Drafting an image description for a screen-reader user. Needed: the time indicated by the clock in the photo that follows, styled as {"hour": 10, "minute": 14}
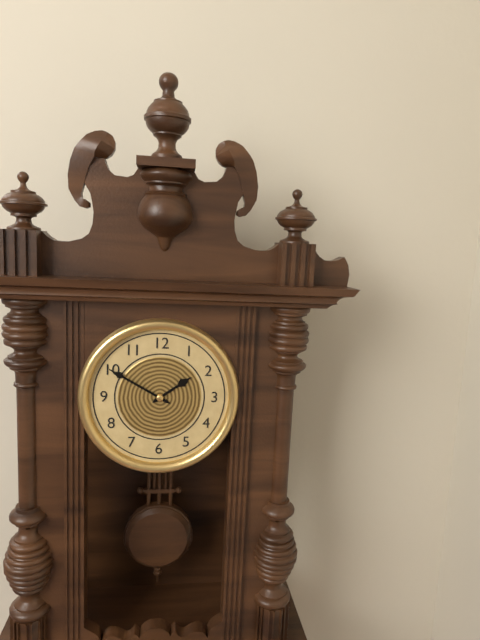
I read {"hour": 1, "minute": 50}
